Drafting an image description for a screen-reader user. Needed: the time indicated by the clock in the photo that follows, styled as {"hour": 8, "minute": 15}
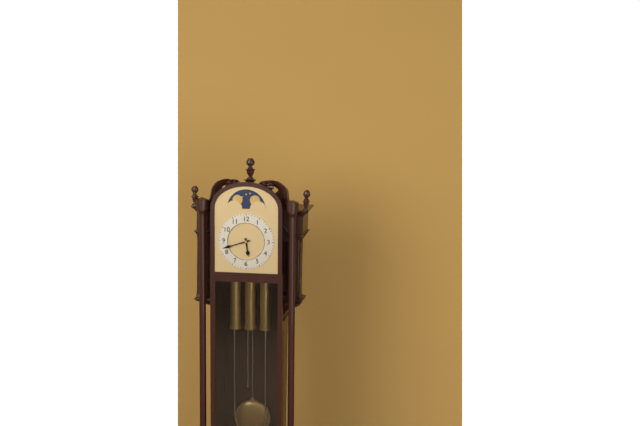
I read {"hour": 5, "minute": 42}
